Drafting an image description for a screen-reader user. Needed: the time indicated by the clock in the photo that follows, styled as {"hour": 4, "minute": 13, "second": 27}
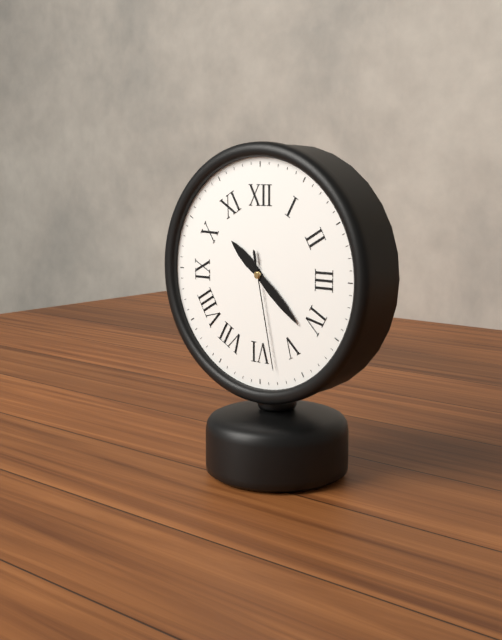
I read {"hour": 10, "minute": 22, "second": 28}
